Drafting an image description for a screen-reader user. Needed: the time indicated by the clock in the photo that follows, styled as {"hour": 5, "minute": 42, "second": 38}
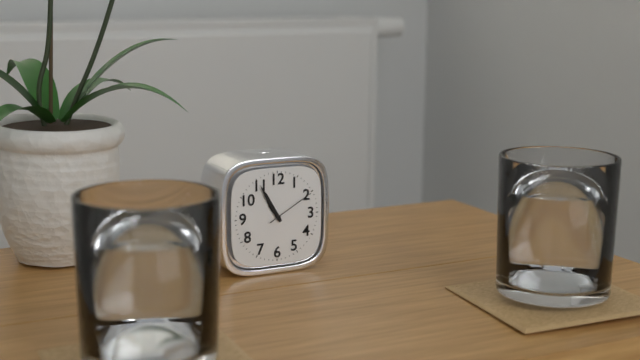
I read {"hour": 10, "minute": 55, "second": 10}
